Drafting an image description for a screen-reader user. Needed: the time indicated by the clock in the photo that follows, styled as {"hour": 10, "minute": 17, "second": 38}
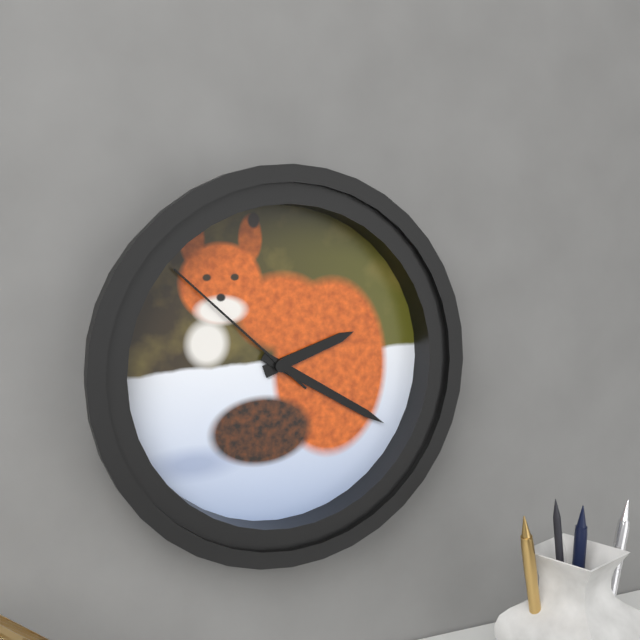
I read {"hour": 2, "minute": 20, "second": 52}
